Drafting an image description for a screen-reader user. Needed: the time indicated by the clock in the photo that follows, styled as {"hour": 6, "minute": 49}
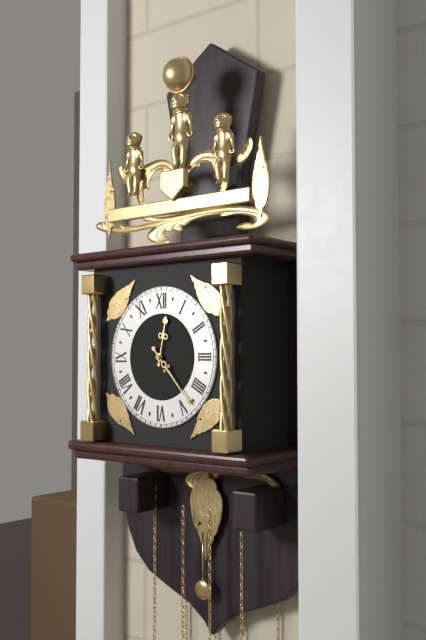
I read {"hour": 12, "minute": 23}
